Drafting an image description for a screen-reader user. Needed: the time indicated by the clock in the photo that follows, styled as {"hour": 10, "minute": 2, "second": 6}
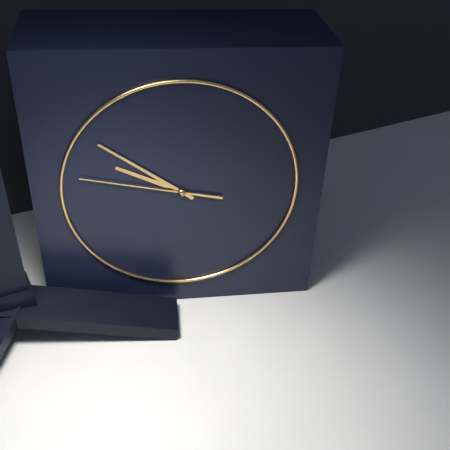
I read {"hour": 9, "minute": 51, "second": 47}
